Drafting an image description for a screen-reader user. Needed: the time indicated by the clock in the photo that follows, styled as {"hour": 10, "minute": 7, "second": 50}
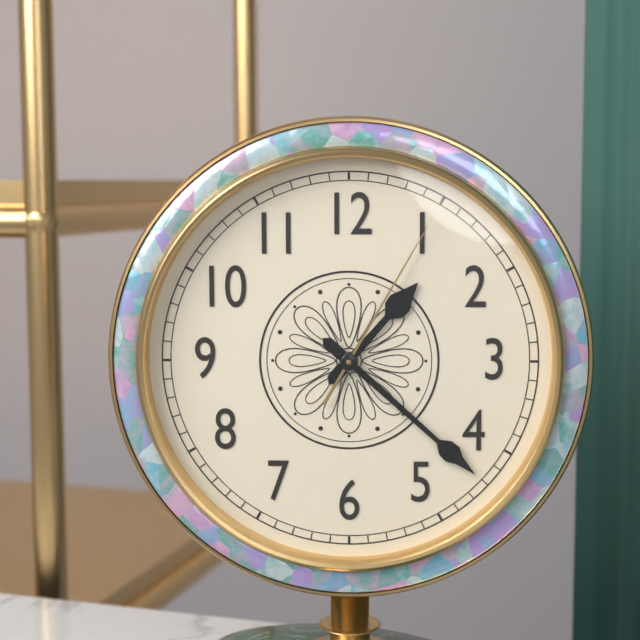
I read {"hour": 1, "minute": 22, "second": 5}
